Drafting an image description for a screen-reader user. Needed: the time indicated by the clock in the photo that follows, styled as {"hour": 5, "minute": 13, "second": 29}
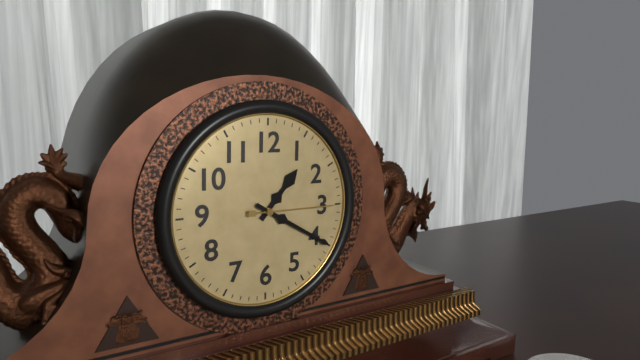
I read {"hour": 1, "minute": 20, "second": 15}
